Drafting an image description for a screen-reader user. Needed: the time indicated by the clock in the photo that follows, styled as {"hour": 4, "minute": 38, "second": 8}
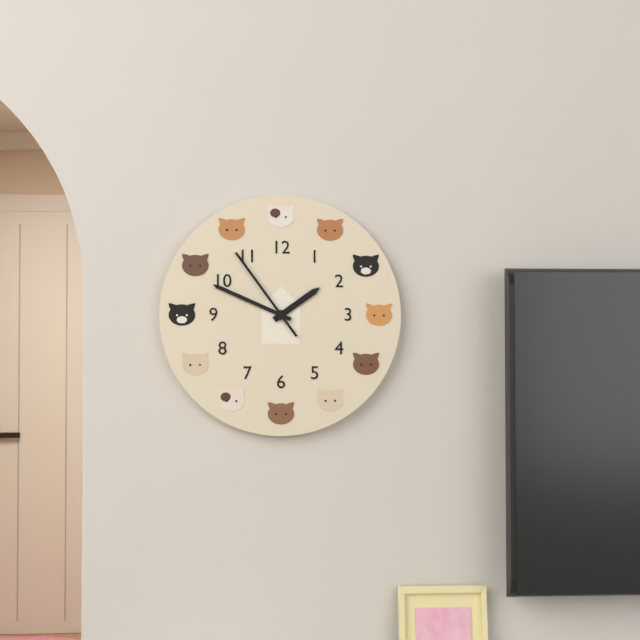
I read {"hour": 1, "minute": 49, "second": 54}
